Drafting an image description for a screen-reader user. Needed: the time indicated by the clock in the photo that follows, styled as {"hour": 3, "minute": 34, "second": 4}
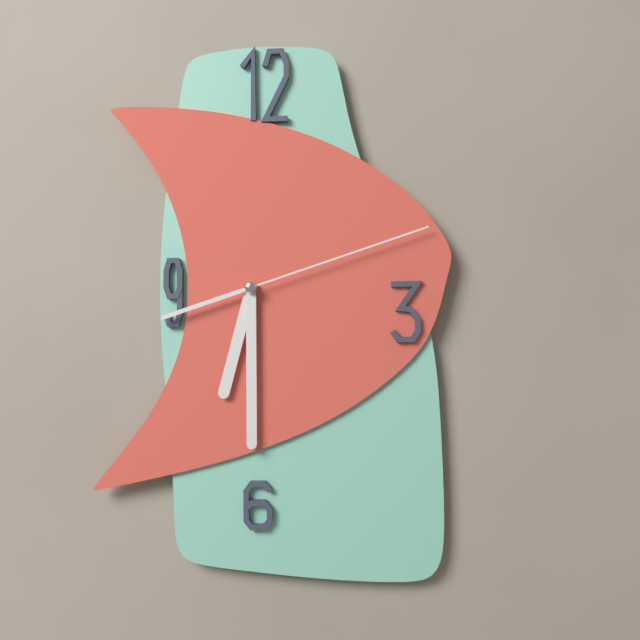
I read {"hour": 6, "minute": 30, "second": 12}
